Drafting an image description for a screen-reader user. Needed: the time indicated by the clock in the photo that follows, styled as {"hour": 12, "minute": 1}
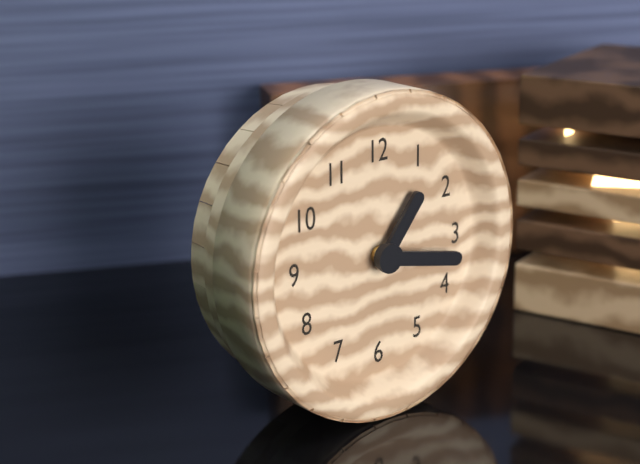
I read {"hour": 1, "minute": 17}
